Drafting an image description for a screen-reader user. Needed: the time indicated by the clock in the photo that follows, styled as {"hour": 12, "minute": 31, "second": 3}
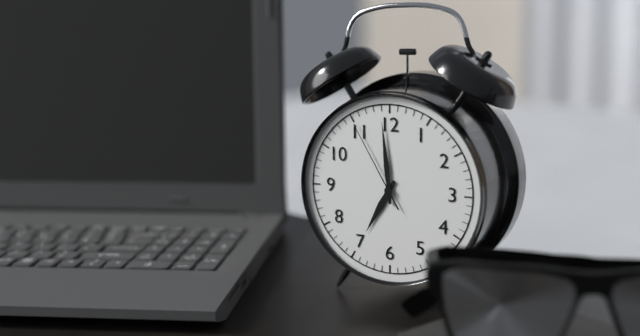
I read {"hour": 6, "minute": 59, "second": 55}
